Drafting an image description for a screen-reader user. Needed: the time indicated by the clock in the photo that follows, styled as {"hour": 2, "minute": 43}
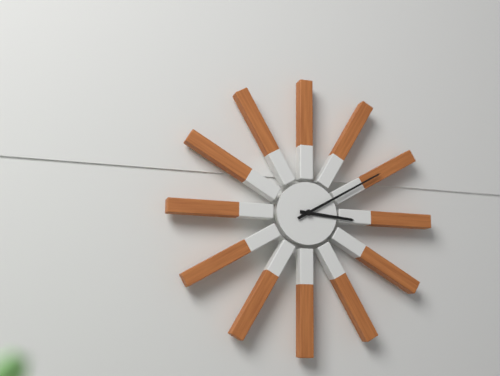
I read {"hour": 3, "minute": 10}
